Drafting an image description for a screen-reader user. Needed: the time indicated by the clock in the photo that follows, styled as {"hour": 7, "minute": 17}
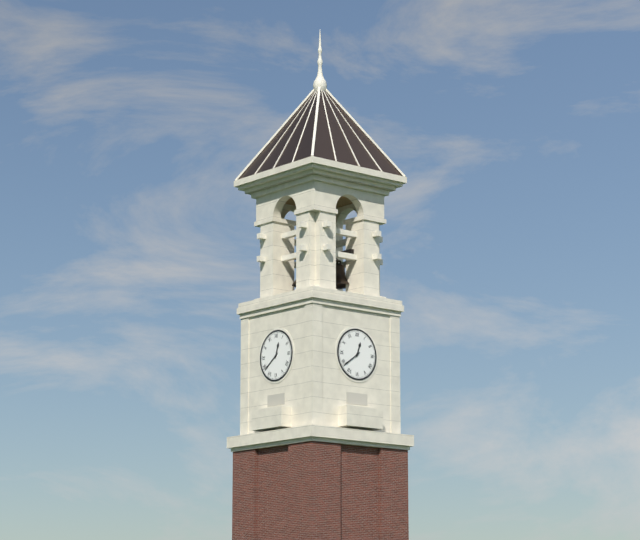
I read {"hour": 12, "minute": 39}
